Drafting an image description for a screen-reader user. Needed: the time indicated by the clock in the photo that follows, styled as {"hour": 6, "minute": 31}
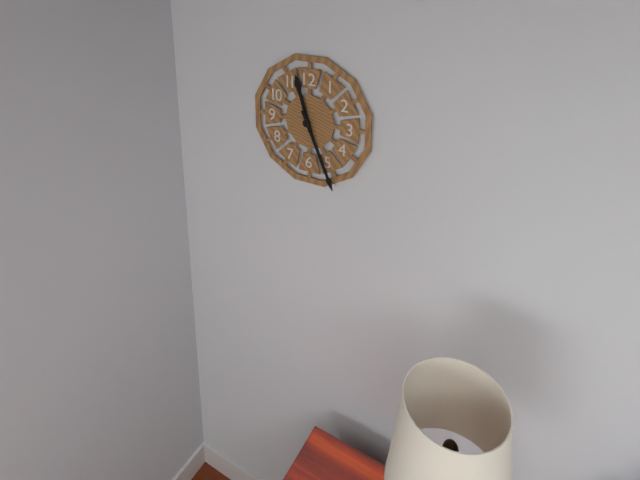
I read {"hour": 11, "minute": 26}
